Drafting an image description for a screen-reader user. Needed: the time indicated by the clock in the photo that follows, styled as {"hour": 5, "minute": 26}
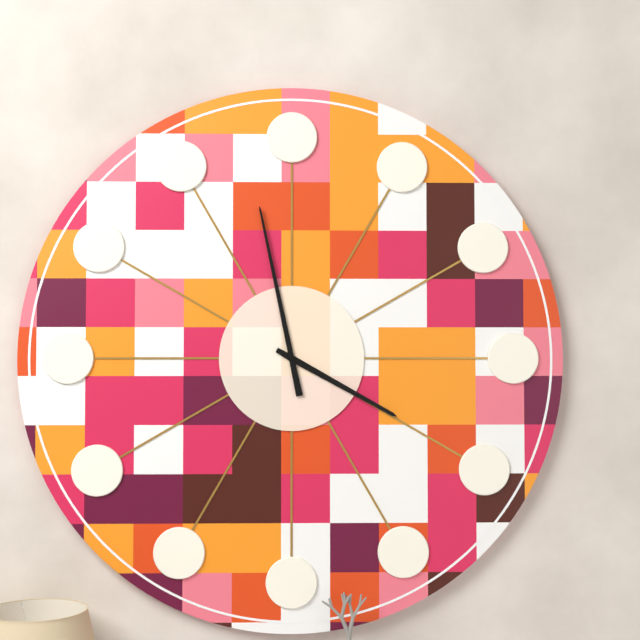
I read {"hour": 3, "minute": 58}
